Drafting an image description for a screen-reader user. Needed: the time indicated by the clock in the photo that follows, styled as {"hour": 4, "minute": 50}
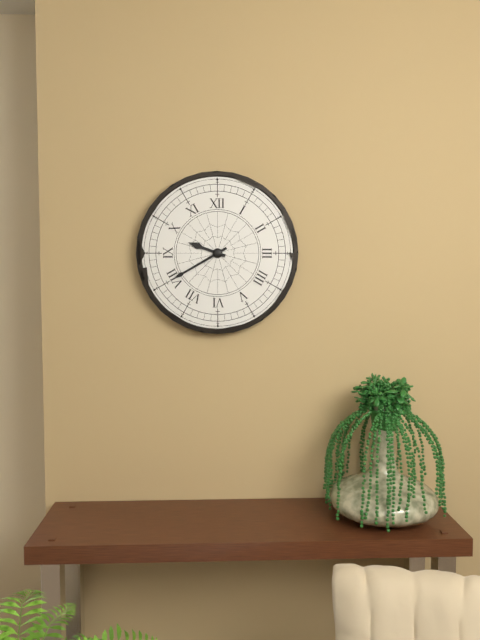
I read {"hour": 9, "minute": 40}
